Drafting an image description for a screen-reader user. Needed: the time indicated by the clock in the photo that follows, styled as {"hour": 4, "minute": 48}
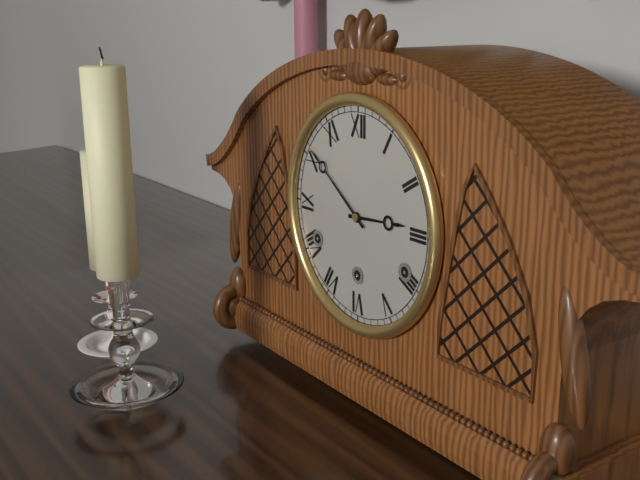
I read {"hour": 2, "minute": 51}
